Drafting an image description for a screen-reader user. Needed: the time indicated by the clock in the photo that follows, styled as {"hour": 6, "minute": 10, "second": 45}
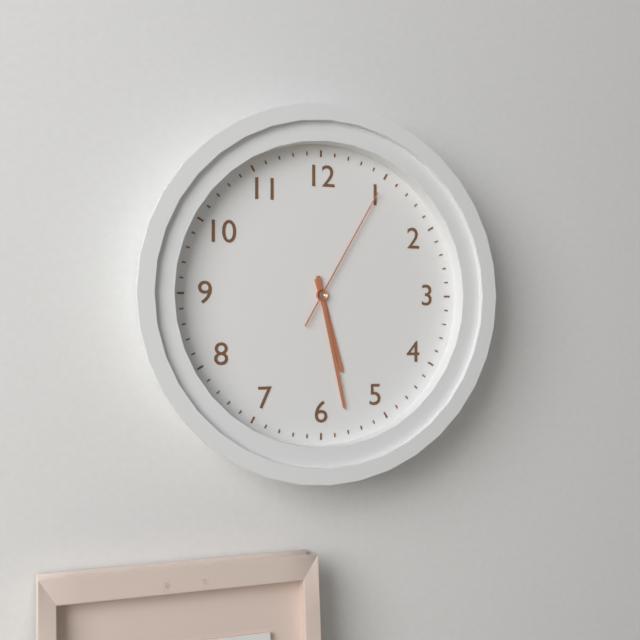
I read {"hour": 5, "minute": 28, "second": 5}
